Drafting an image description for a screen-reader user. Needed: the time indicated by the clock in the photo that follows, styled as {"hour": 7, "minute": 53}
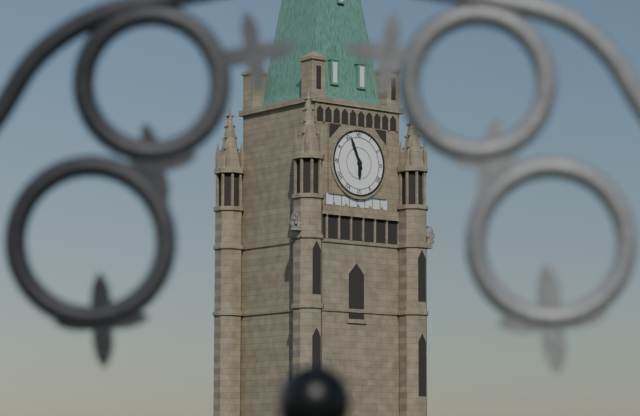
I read {"hour": 5, "minute": 56}
